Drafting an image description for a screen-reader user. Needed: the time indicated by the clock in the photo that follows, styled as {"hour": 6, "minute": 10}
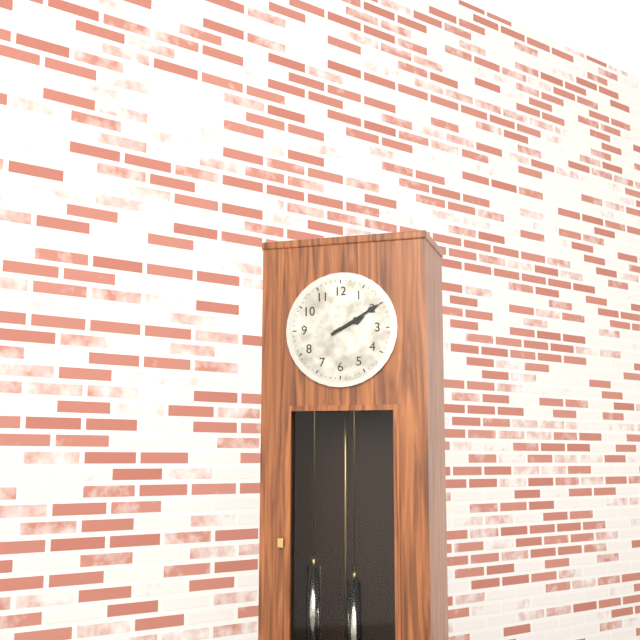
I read {"hour": 2, "minute": 10}
